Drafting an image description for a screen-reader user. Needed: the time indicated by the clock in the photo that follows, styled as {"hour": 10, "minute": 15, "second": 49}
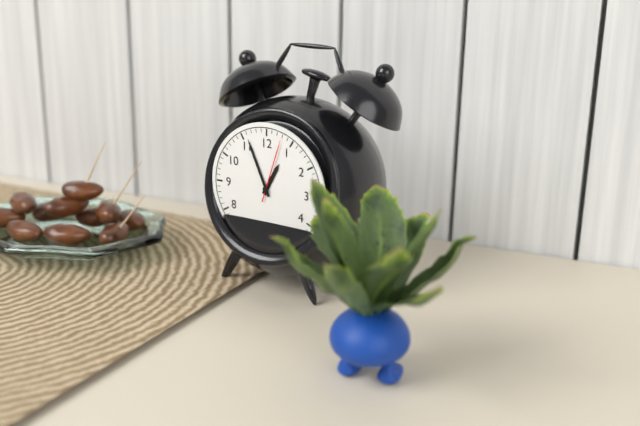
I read {"hour": 12, "minute": 56, "second": 3}
